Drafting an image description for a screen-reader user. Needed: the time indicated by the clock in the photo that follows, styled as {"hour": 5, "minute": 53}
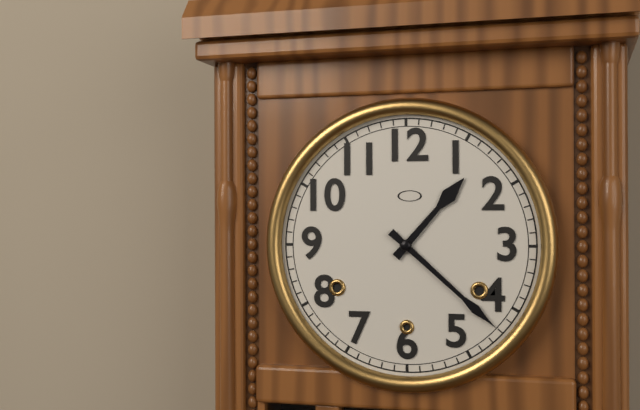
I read {"hour": 1, "minute": 22}
